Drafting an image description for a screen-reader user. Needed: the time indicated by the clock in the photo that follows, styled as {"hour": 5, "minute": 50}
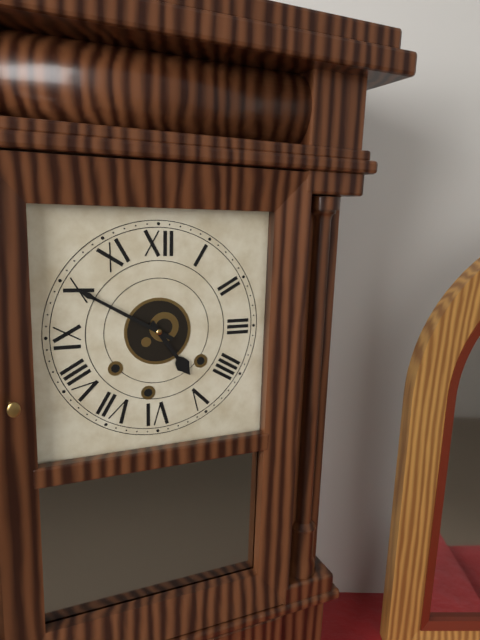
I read {"hour": 4, "minute": 50}
